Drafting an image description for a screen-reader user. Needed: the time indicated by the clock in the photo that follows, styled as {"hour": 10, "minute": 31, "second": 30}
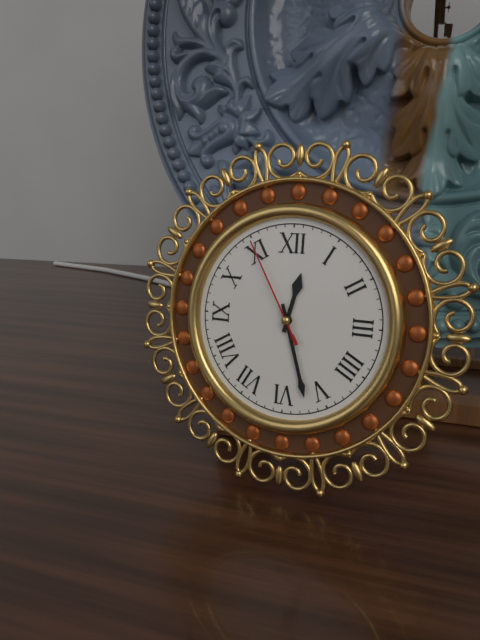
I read {"hour": 12, "minute": 27, "second": 55}
